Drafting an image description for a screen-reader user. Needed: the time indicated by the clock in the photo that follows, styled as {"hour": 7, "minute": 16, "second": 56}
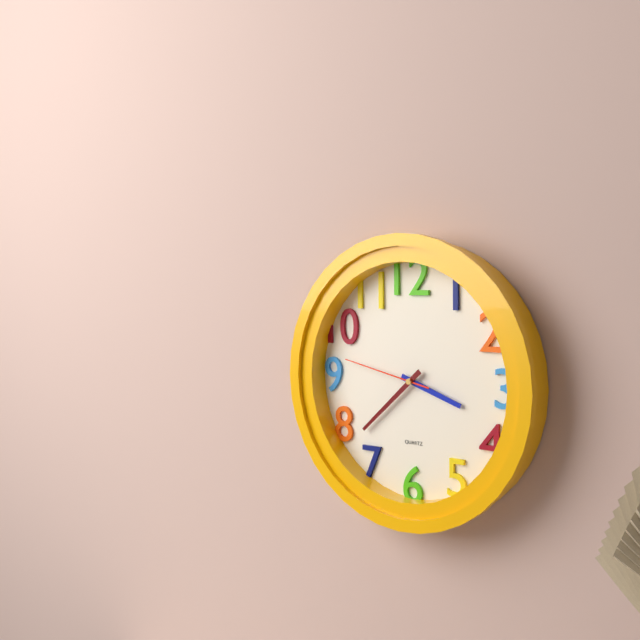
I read {"hour": 3, "minute": 38, "second": 47}
